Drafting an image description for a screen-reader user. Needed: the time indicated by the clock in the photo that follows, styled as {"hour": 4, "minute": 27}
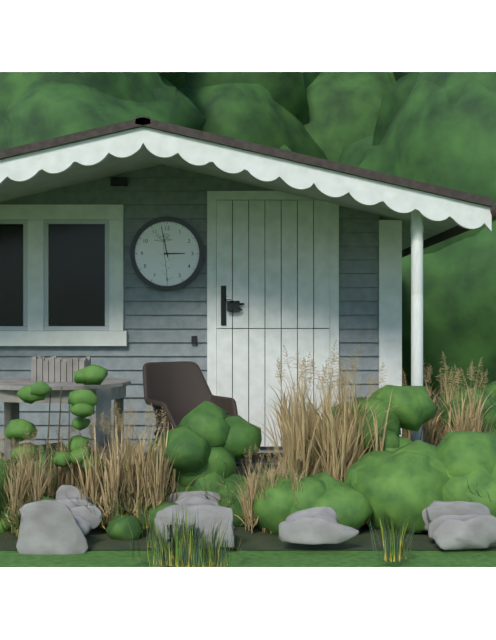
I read {"hour": 2, "minute": 58}
